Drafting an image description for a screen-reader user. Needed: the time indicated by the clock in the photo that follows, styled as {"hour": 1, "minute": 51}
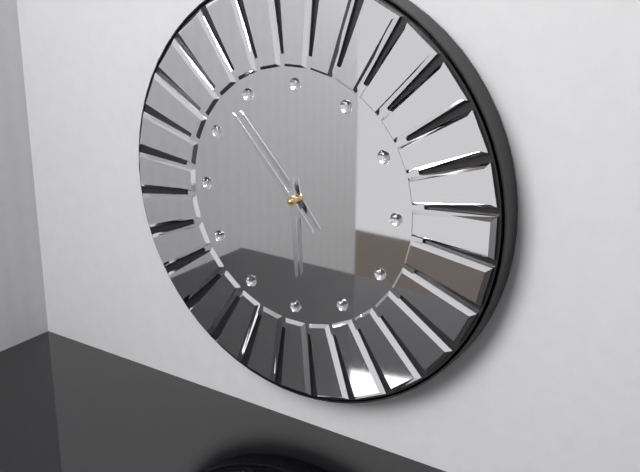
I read {"hour": 5, "minute": 53}
